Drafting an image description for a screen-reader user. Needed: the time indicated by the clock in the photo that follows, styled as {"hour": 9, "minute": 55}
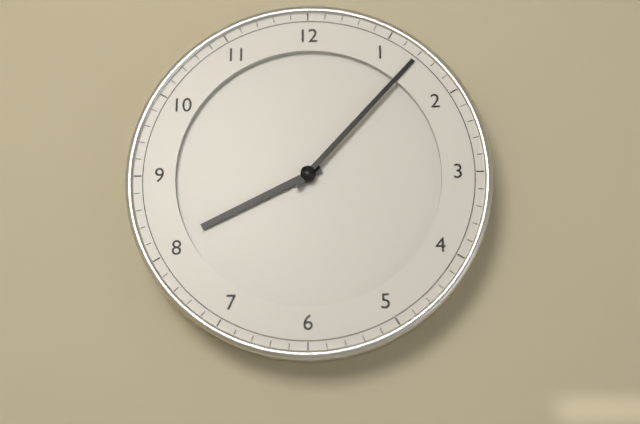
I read {"hour": 8, "minute": 7}
